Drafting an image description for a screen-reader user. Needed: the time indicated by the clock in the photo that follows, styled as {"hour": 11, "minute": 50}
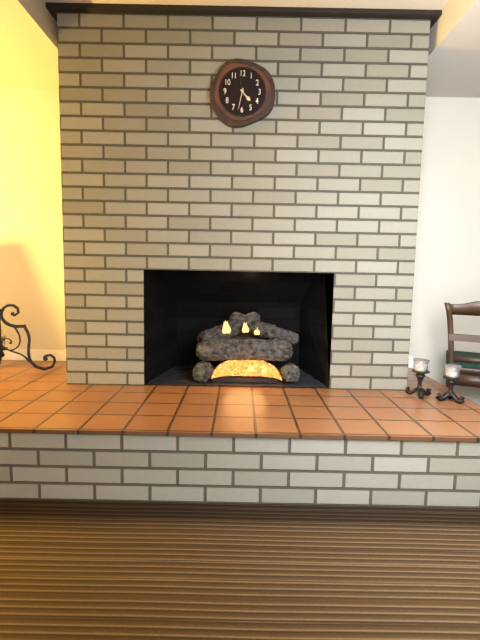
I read {"hour": 4, "minute": 32}
